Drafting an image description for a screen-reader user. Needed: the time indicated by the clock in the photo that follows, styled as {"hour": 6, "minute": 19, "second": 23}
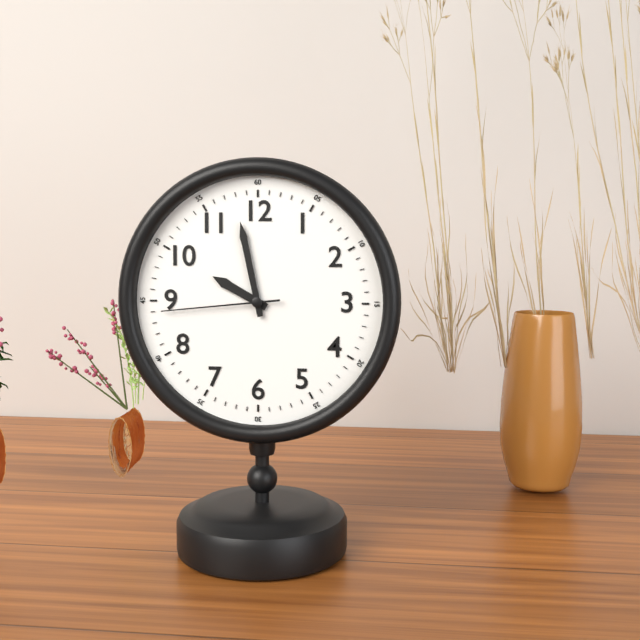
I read {"hour": 9, "minute": 58, "second": 44}
